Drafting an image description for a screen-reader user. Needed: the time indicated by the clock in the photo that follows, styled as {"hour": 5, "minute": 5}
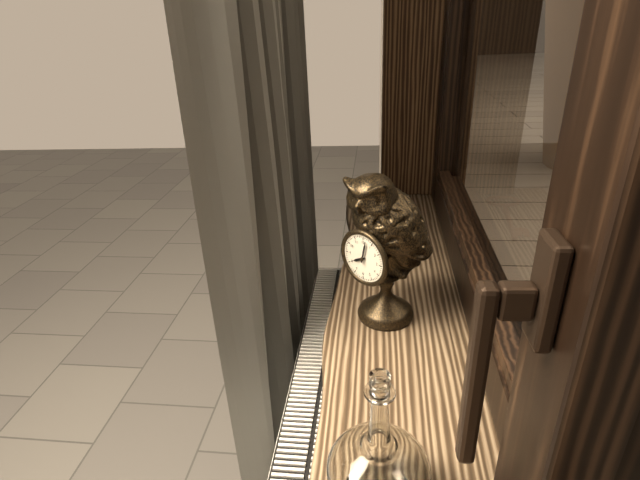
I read {"hour": 8, "minute": 2}
